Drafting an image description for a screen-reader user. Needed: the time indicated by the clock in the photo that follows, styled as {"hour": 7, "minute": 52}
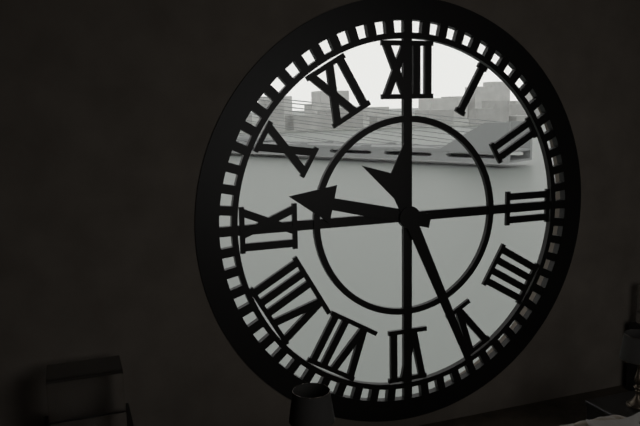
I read {"hour": 9, "minute": 26}
